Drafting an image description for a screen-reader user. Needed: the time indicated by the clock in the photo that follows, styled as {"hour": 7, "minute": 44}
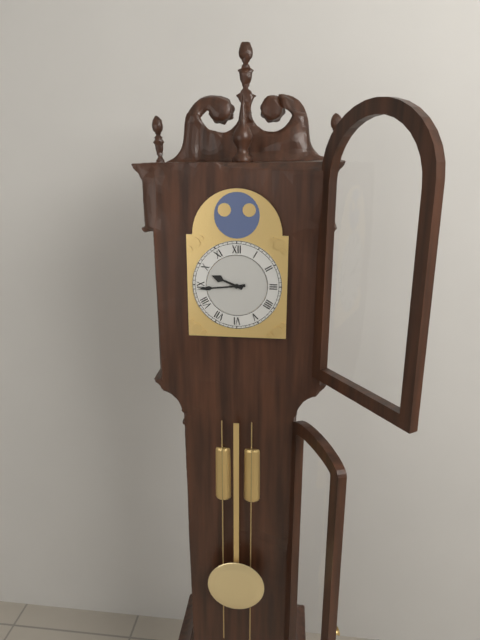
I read {"hour": 9, "minute": 44}
